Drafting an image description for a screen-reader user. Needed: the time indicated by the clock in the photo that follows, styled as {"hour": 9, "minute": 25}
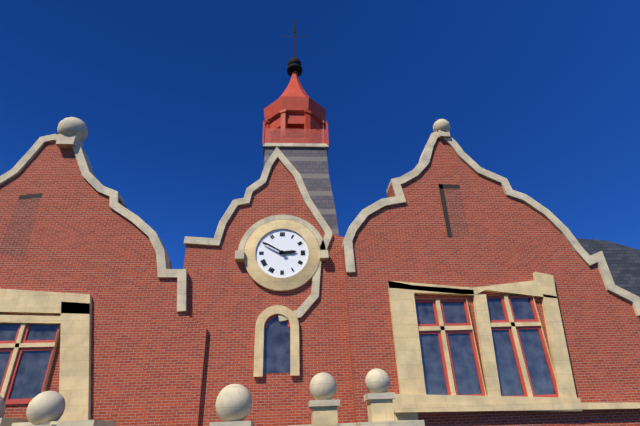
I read {"hour": 2, "minute": 50}
